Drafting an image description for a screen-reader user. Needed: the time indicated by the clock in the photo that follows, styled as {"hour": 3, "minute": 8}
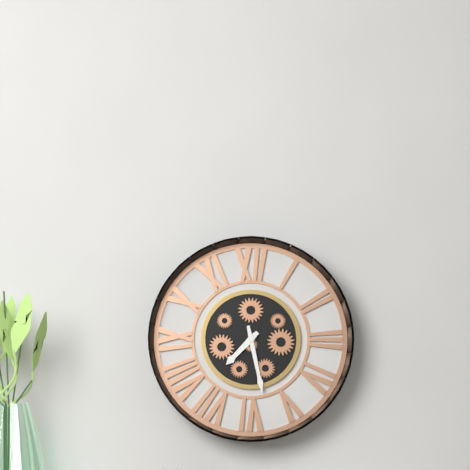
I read {"hour": 7, "minute": 28}
